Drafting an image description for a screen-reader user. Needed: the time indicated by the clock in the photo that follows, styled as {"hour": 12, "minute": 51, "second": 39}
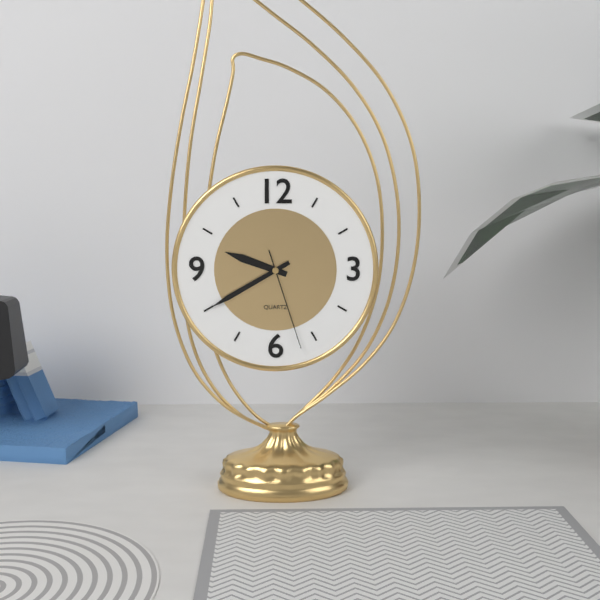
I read {"hour": 9, "minute": 40, "second": 27}
